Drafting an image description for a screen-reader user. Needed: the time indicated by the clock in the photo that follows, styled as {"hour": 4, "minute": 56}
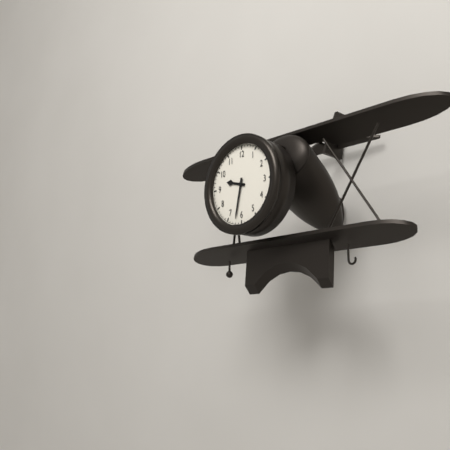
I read {"hour": 9, "minute": 32}
